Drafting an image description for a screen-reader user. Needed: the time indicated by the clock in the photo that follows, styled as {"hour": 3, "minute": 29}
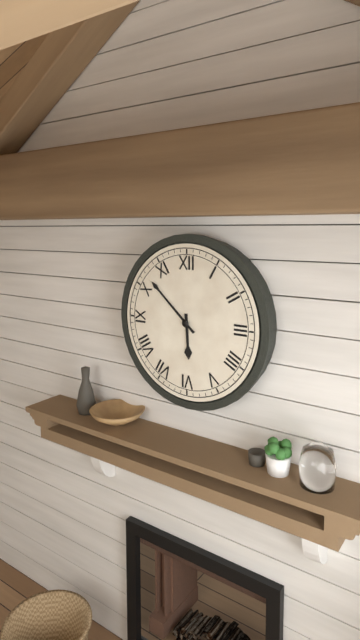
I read {"hour": 5, "minute": 52}
